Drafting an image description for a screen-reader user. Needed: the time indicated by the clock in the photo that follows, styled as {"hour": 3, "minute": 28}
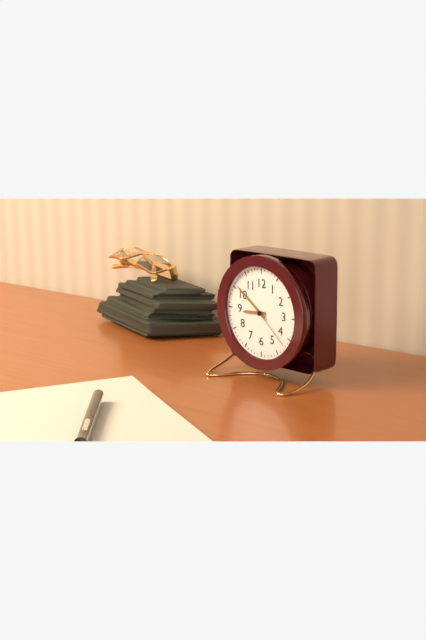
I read {"hour": 8, "minute": 51}
